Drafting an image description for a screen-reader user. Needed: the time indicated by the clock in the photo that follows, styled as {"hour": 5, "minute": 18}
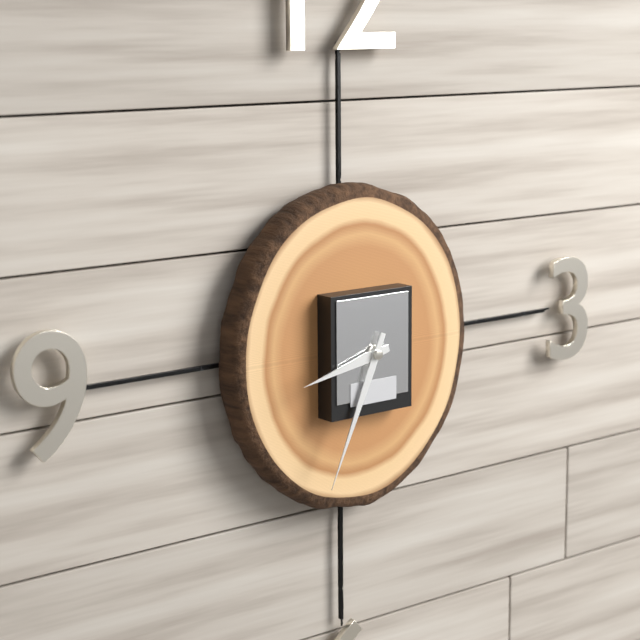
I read {"hour": 8, "minute": 34}
